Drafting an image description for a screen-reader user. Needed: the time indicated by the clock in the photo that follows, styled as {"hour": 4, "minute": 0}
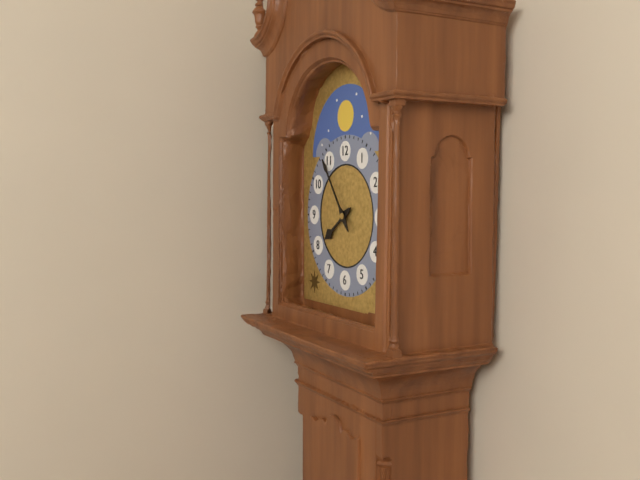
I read {"hour": 7, "minute": 54}
